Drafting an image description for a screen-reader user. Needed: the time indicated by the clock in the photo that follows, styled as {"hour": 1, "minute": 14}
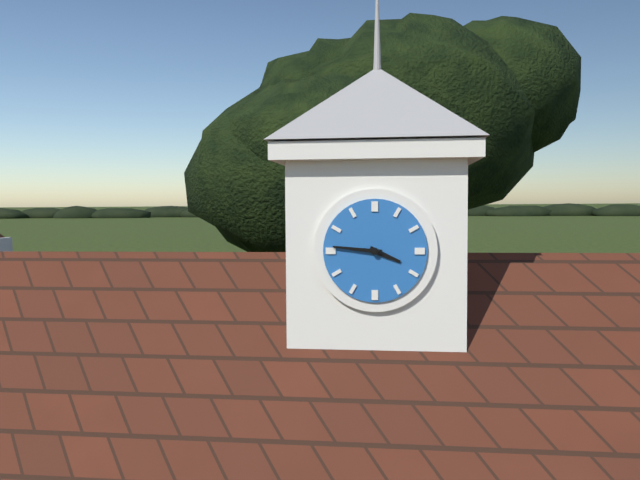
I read {"hour": 3, "minute": 46}
